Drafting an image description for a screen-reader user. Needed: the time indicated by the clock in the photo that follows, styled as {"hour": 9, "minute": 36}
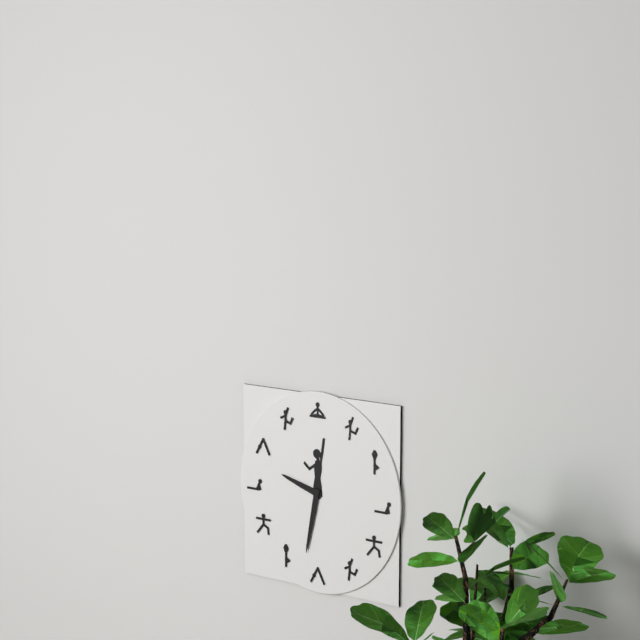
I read {"hour": 9, "minute": 32}
